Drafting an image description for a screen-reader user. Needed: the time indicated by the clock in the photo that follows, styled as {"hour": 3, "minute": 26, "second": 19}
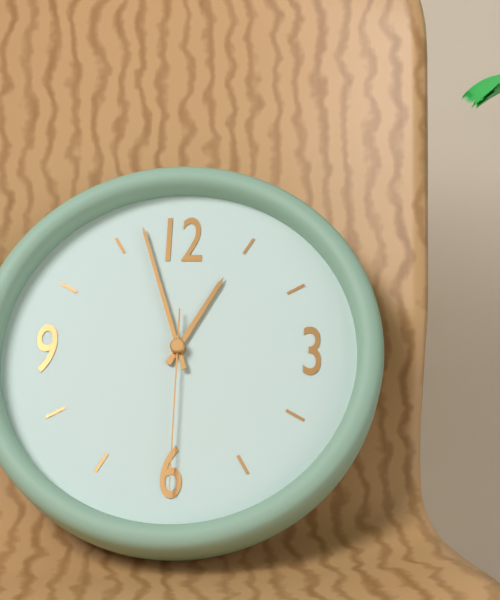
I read {"hour": 12, "minute": 57, "second": 30}
